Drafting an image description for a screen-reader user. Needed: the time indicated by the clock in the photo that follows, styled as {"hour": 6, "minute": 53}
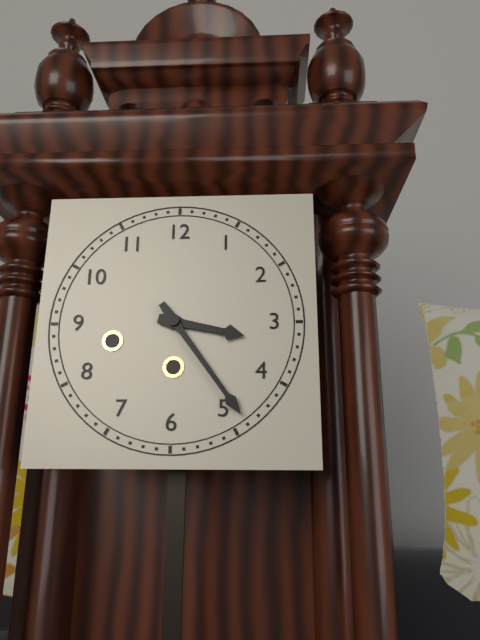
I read {"hour": 3, "minute": 24}
